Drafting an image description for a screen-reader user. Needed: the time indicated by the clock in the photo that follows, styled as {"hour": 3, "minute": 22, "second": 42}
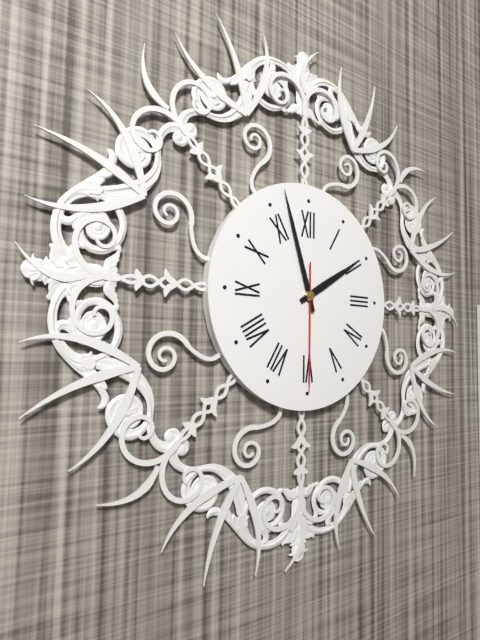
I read {"hour": 1, "minute": 57, "second": 30}
